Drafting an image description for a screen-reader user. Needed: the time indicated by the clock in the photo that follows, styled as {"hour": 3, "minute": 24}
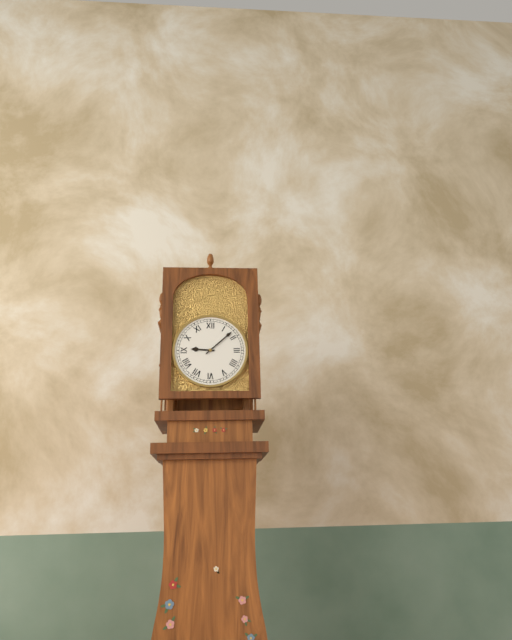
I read {"hour": 9, "minute": 8}
